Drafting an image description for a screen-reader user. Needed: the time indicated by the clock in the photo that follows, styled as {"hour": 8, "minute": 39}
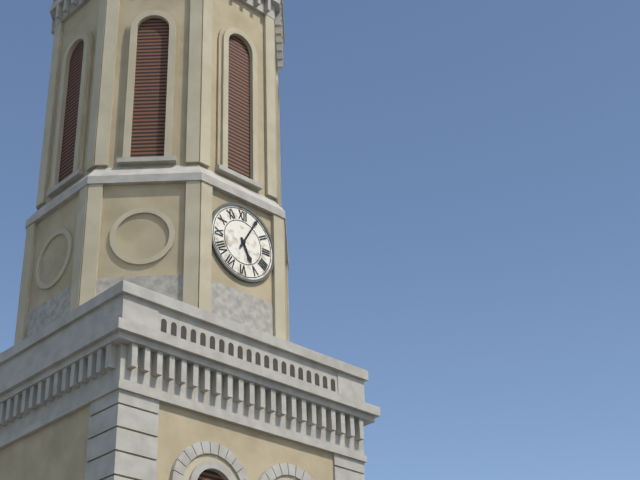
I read {"hour": 5, "minute": 5}
